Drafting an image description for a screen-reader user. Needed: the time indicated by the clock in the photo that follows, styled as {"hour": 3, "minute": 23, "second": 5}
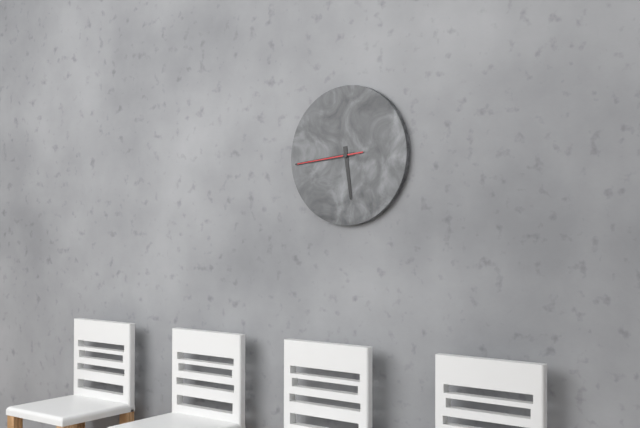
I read {"hour": 5, "minute": 44, "second": 44}
